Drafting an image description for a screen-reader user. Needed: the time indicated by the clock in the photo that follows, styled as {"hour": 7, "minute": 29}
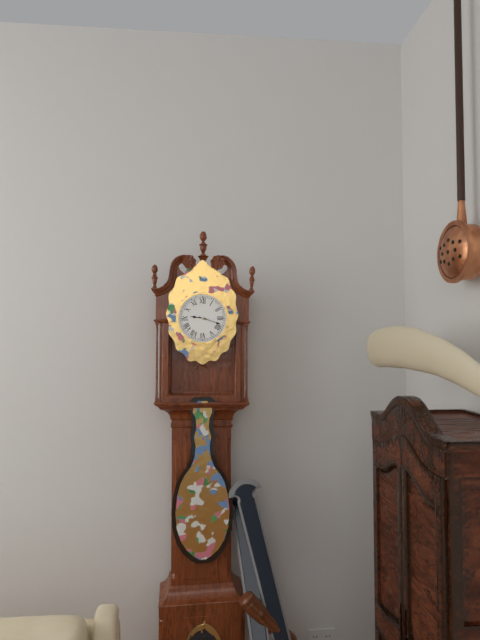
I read {"hour": 9, "minute": 18}
